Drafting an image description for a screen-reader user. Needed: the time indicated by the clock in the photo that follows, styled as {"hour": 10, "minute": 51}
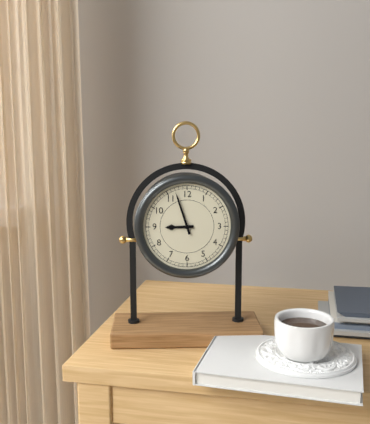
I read {"hour": 8, "minute": 57}
